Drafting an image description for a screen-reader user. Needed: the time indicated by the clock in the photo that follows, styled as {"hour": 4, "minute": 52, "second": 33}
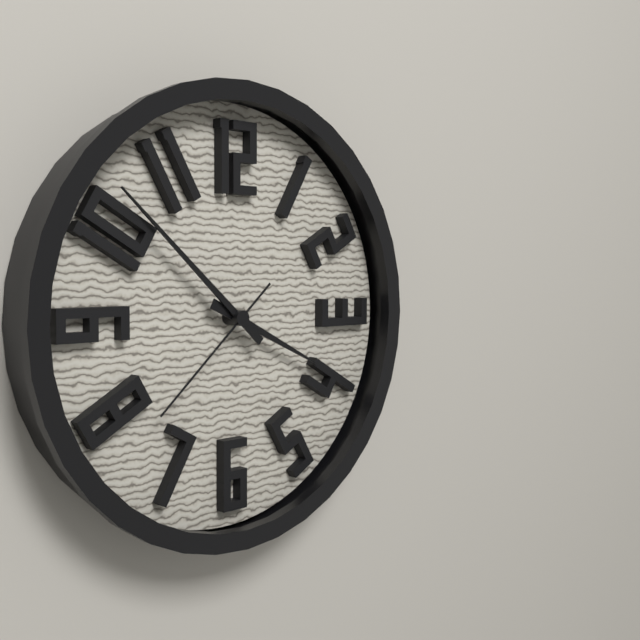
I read {"hour": 3, "minute": 52, "second": 38}
